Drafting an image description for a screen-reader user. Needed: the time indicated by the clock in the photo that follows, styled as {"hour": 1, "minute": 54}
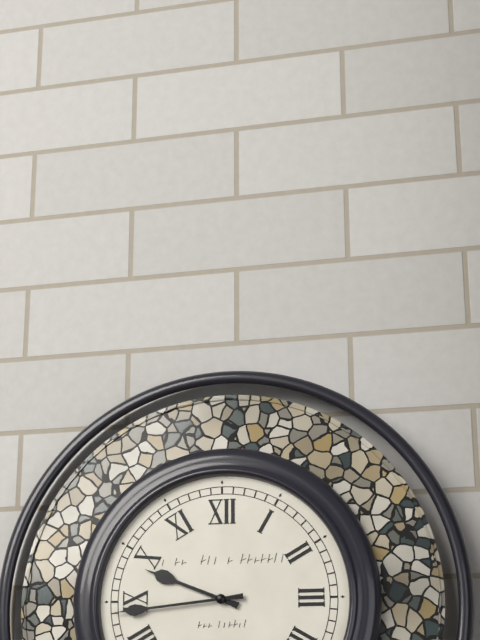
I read {"hour": 9, "minute": 44}
